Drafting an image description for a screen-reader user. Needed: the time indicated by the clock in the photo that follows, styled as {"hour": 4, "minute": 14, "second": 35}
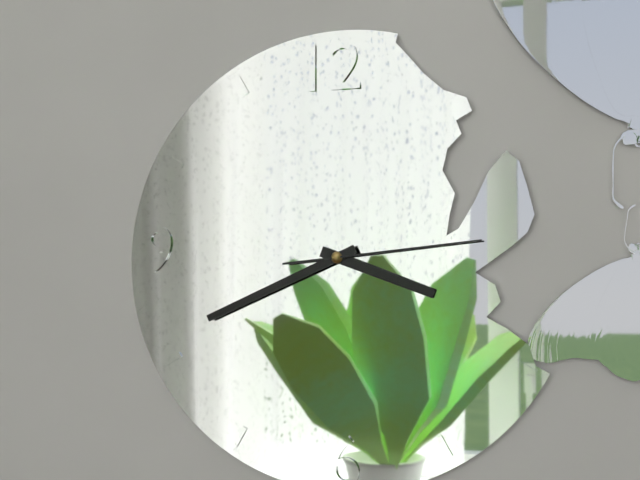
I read {"hour": 3, "minute": 41, "second": 14}
